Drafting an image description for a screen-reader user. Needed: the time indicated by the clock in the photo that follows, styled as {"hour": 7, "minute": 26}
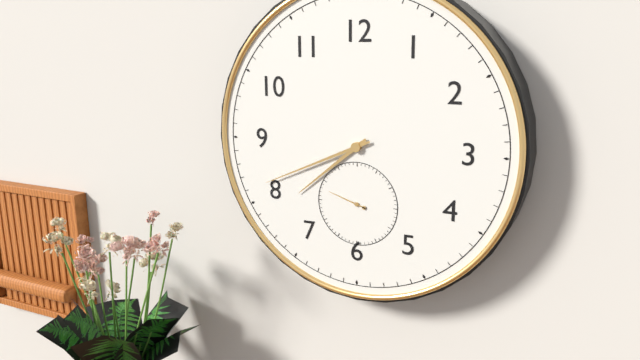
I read {"hour": 7, "minute": 41}
